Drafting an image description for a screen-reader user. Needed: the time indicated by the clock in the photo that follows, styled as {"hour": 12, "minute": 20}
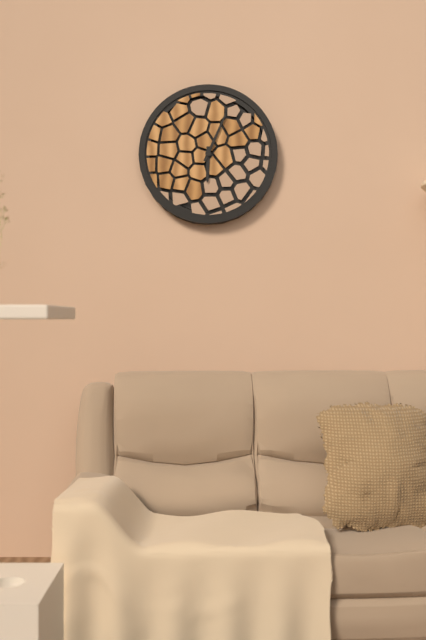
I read {"hour": 6, "minute": 4}
